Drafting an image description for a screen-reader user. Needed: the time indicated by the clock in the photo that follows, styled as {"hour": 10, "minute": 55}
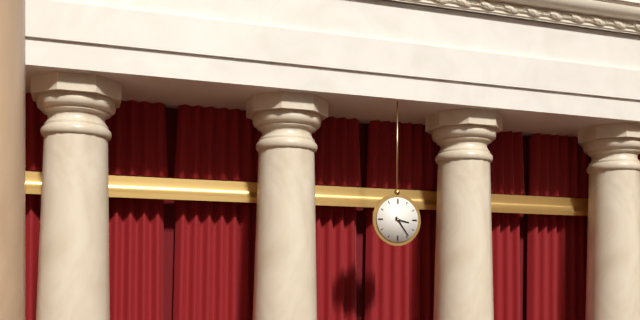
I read {"hour": 3, "minute": 24}
